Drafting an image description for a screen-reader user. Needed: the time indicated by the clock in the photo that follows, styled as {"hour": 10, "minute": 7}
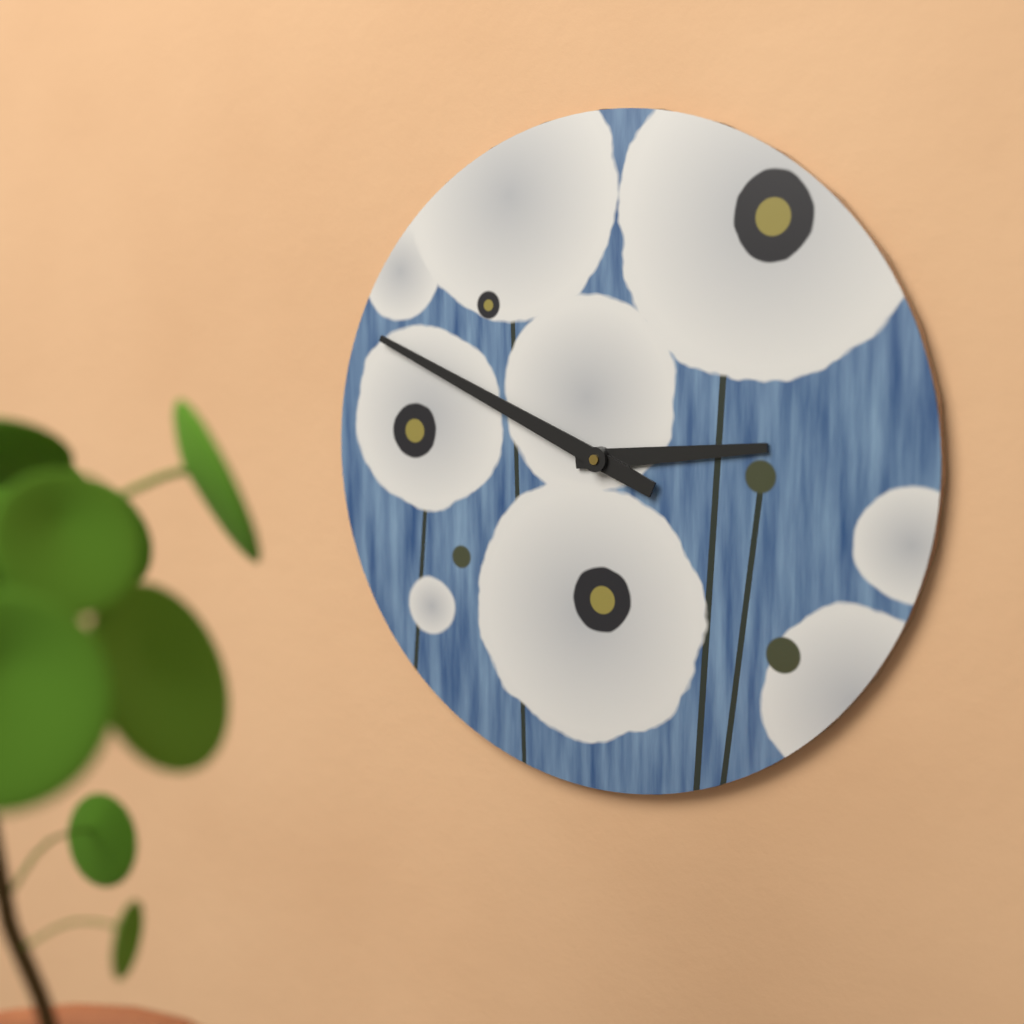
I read {"hour": 2, "minute": 49}
